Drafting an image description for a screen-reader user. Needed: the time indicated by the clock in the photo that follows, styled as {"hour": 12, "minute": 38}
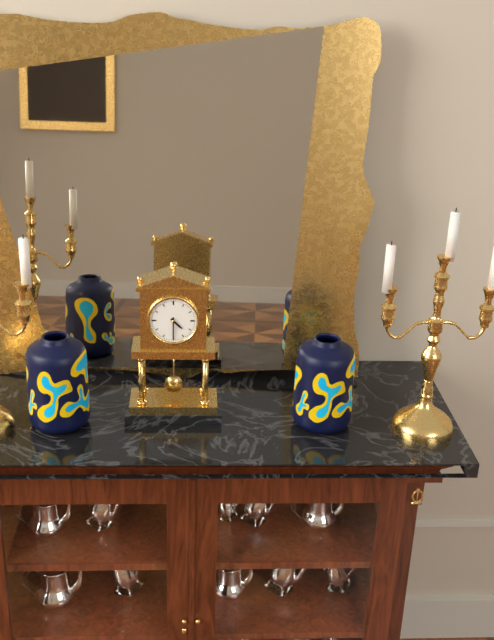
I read {"hour": 4, "minute": 30}
